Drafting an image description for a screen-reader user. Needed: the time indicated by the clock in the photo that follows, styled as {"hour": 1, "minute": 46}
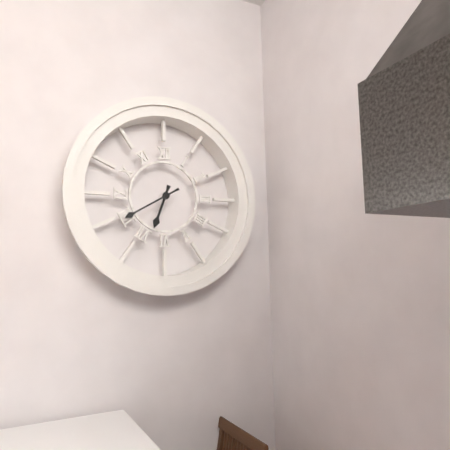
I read {"hour": 6, "minute": 40}
